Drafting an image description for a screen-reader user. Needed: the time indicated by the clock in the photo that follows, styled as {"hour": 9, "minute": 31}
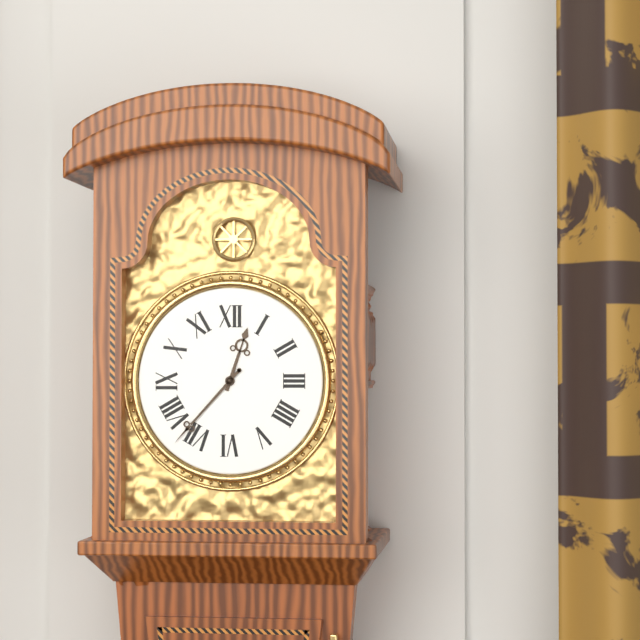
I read {"hour": 12, "minute": 37}
